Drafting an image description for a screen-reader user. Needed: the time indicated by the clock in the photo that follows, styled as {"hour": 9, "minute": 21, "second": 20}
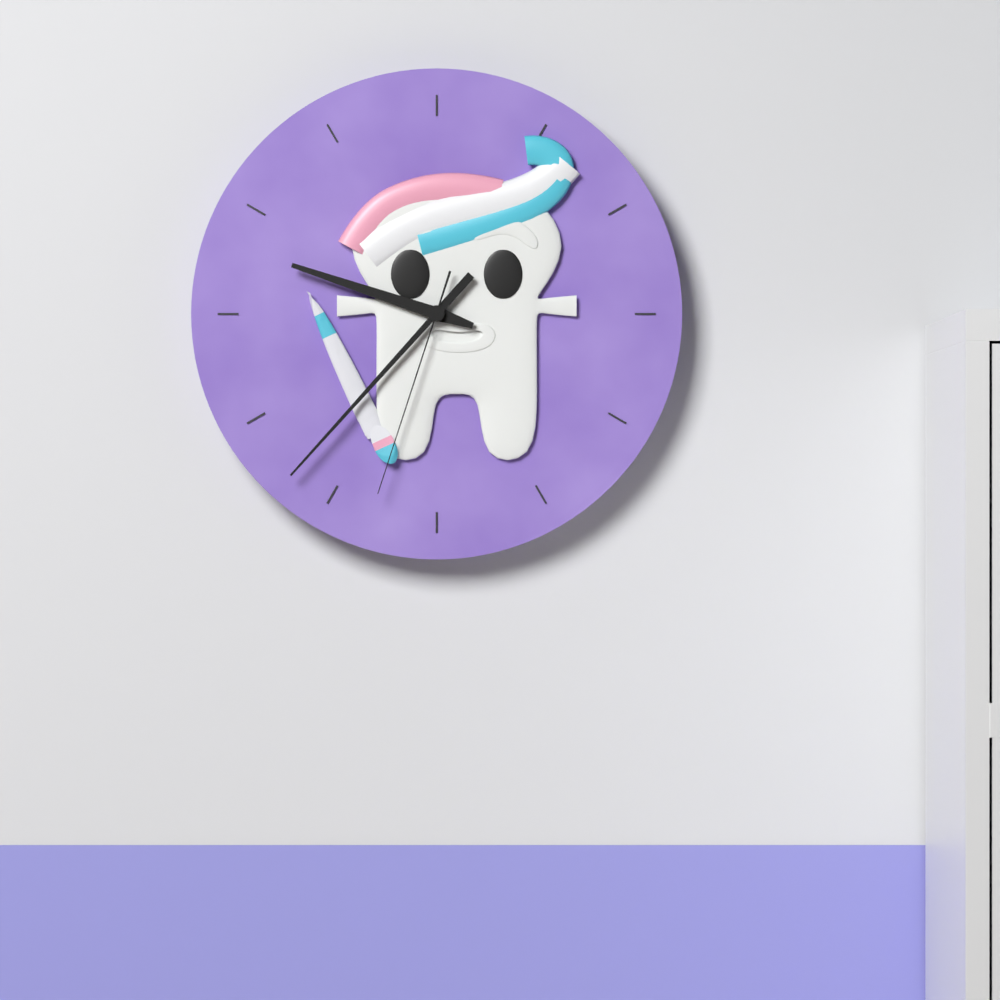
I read {"hour": 9, "minute": 37, "second": 33}
